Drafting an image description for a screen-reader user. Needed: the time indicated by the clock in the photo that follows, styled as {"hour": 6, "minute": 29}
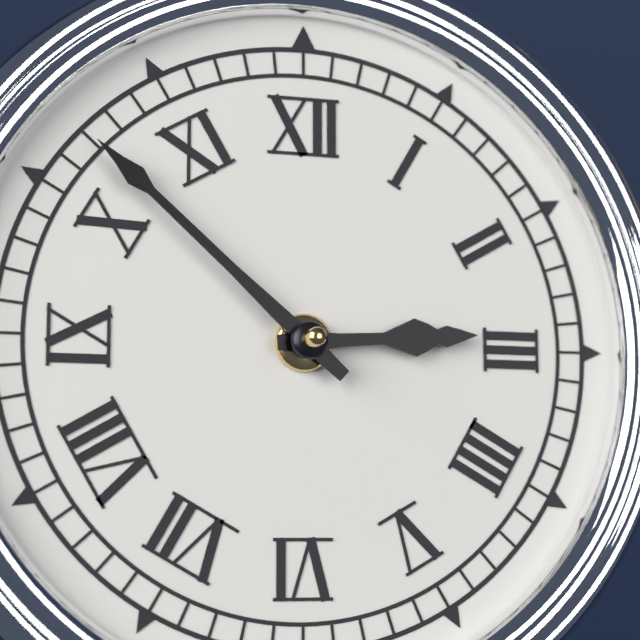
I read {"hour": 2, "minute": 52}
